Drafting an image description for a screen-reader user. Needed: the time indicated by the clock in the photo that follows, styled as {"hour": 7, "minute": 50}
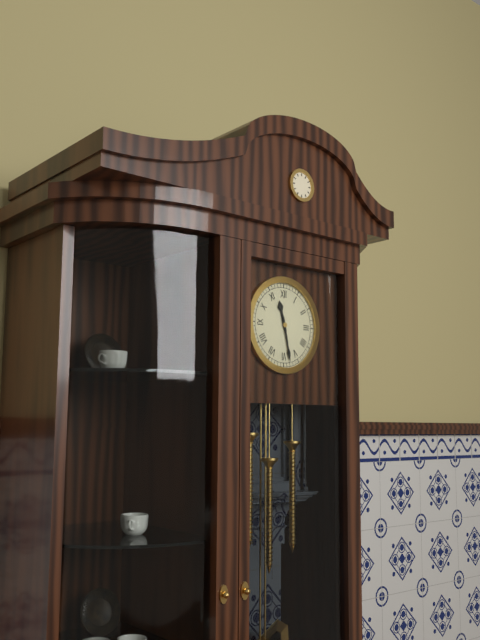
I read {"hour": 11, "minute": 28}
